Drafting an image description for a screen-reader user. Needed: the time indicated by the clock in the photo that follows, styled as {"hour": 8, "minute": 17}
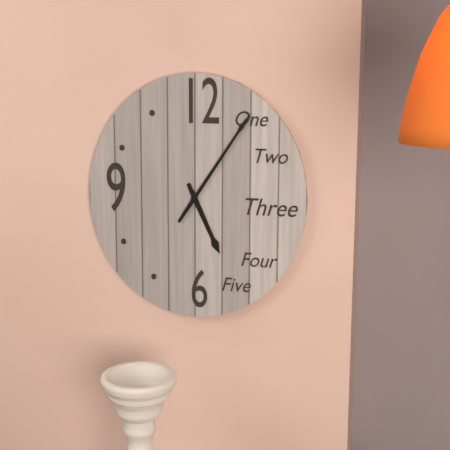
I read {"hour": 5, "minute": 6}
